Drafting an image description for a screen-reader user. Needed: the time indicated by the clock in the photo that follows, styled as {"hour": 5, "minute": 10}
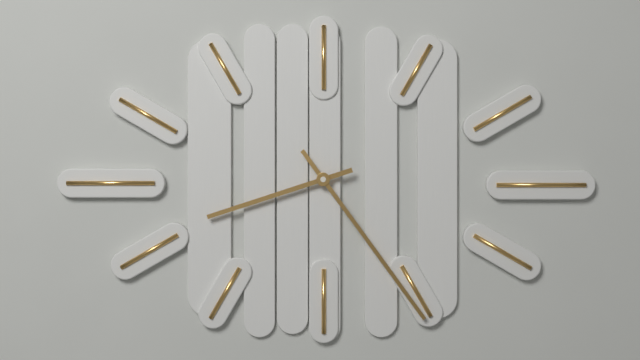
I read {"hour": 8, "minute": 24}
